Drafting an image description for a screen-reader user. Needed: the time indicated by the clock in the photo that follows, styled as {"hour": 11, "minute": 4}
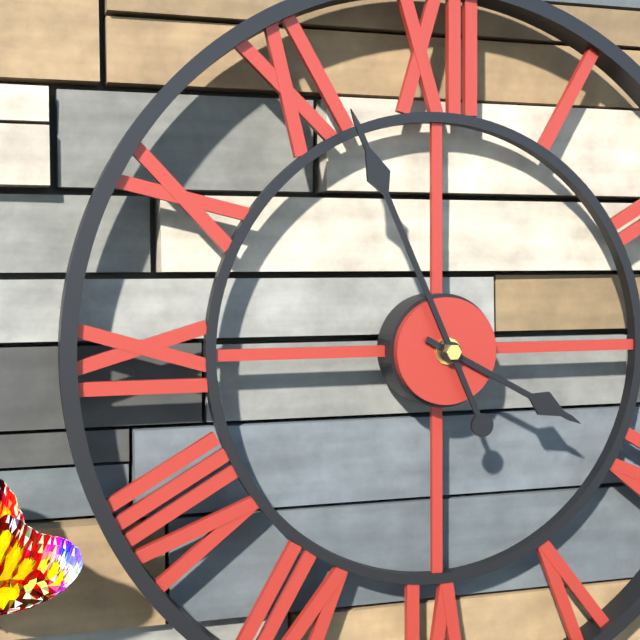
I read {"hour": 3, "minute": 56}
